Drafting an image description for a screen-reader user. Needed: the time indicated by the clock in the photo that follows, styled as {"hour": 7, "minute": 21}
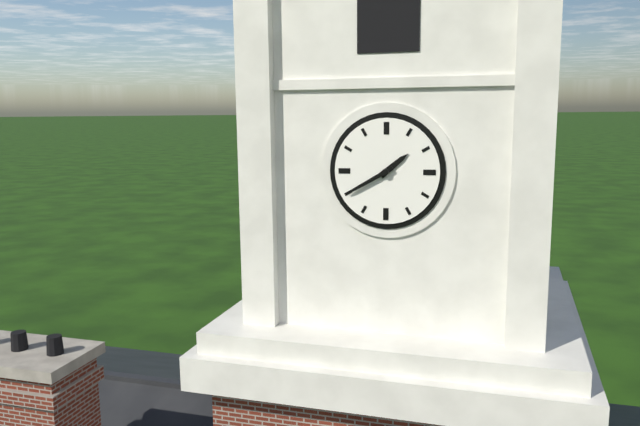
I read {"hour": 1, "minute": 40}
